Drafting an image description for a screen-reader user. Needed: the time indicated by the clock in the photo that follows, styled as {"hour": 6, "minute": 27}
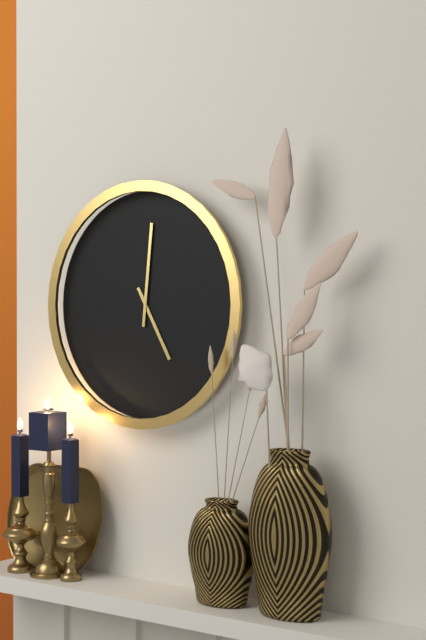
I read {"hour": 5, "minute": 1}
